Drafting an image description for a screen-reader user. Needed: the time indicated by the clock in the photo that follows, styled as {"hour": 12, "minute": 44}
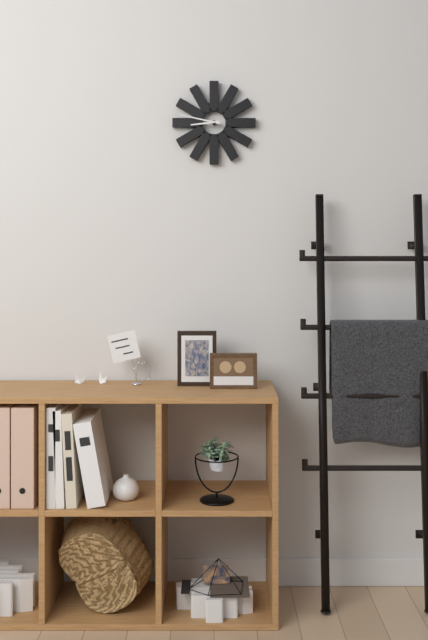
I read {"hour": 8, "minute": 47}
